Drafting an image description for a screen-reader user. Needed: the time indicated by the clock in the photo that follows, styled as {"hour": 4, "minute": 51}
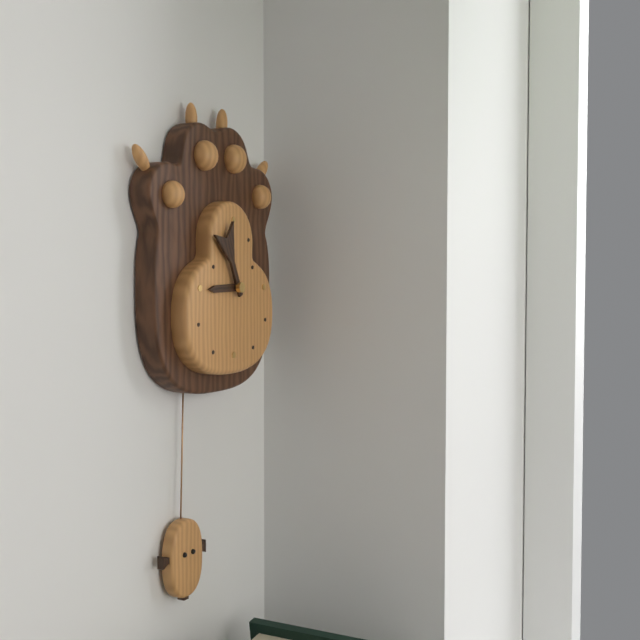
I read {"hour": 8, "minute": 56}
